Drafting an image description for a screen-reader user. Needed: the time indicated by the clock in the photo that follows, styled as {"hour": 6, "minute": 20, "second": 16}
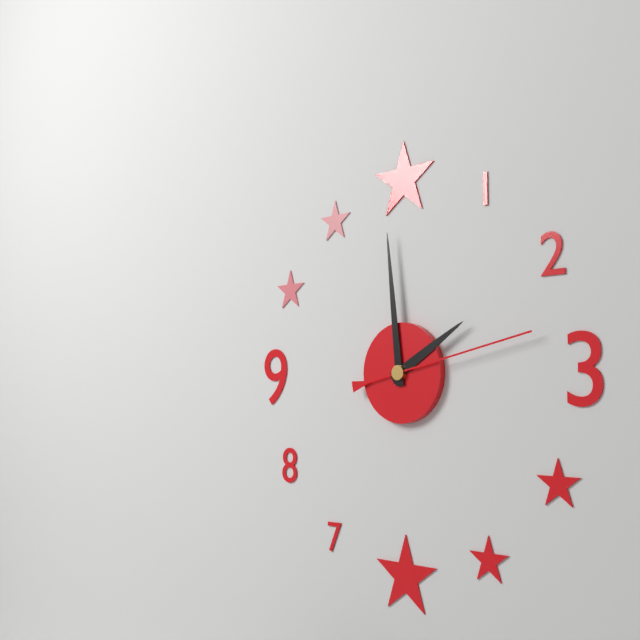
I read {"hour": 1, "minute": 59, "second": 13}
